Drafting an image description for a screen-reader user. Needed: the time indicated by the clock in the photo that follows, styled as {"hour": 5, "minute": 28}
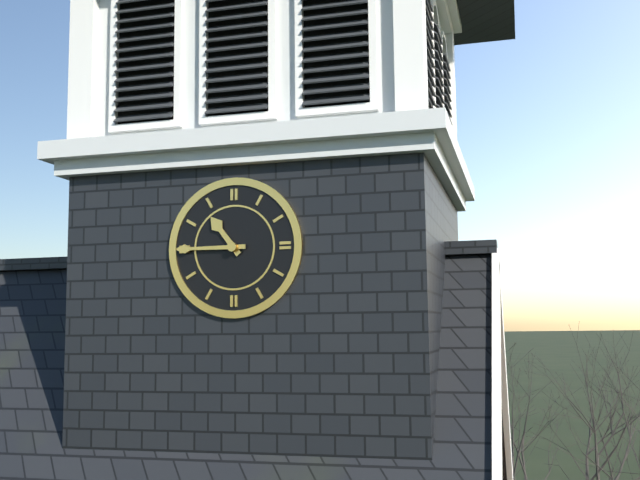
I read {"hour": 10, "minute": 45}
